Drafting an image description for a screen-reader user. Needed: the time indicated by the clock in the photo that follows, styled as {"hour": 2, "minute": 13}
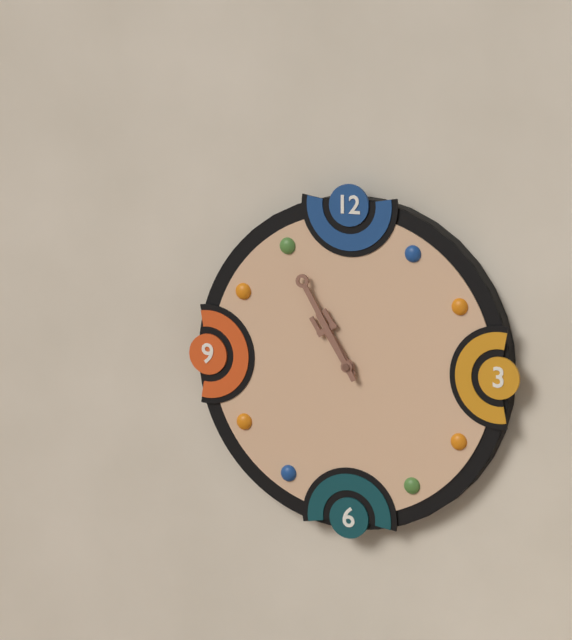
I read {"hour": 10, "minute": 55}
